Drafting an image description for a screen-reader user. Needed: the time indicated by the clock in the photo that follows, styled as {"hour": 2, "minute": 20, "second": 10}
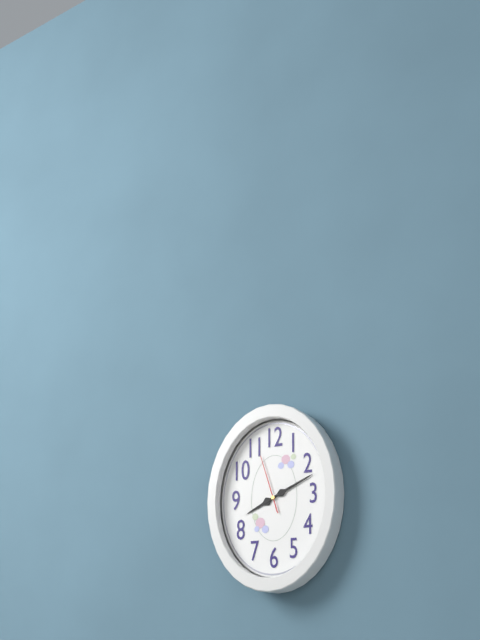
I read {"hour": 8, "minute": 11, "second": 57}
